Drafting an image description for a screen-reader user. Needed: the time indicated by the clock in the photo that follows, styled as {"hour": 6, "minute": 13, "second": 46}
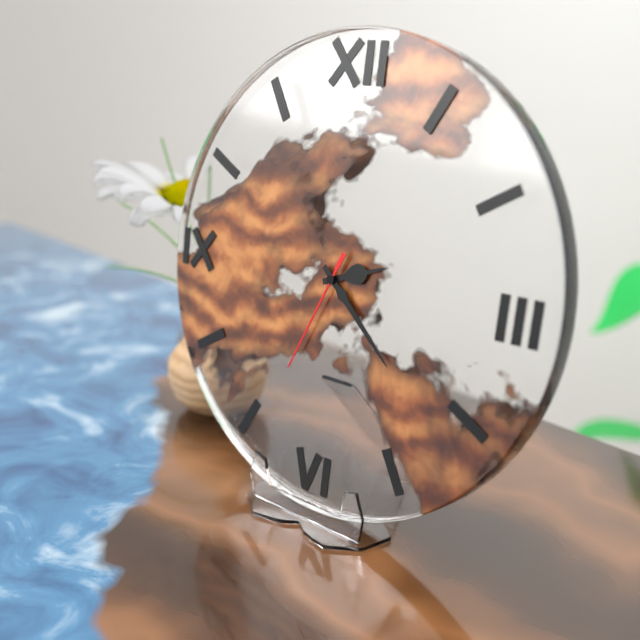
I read {"hour": 2, "minute": 22, "second": 34}
